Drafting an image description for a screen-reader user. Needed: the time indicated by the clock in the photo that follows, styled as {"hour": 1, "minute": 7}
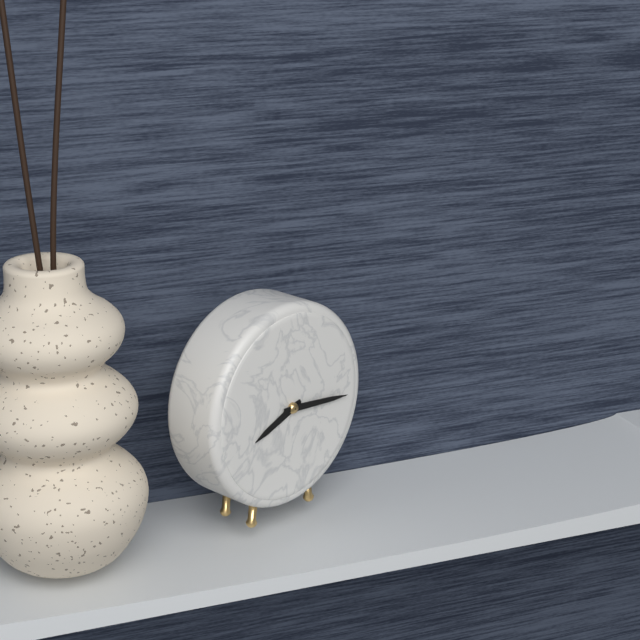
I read {"hour": 8, "minute": 16}
